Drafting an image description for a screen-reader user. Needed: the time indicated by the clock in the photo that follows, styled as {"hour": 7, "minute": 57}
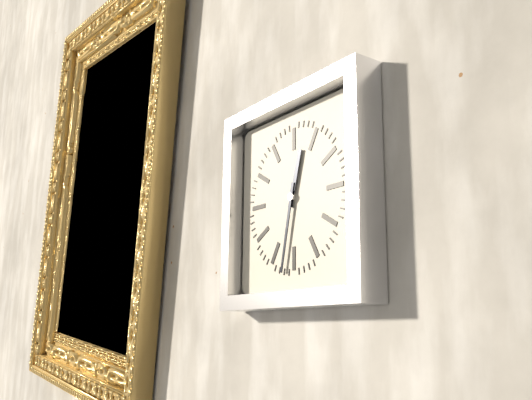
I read {"hour": 12, "minute": 32}
